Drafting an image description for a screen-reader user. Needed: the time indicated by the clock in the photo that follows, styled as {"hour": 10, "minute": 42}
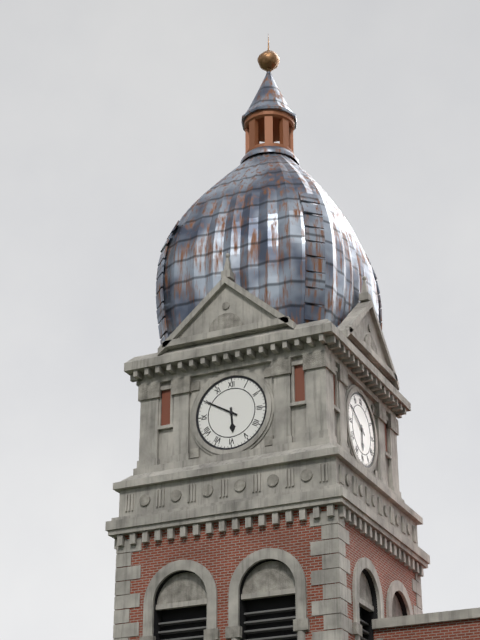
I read {"hour": 5, "minute": 50}
